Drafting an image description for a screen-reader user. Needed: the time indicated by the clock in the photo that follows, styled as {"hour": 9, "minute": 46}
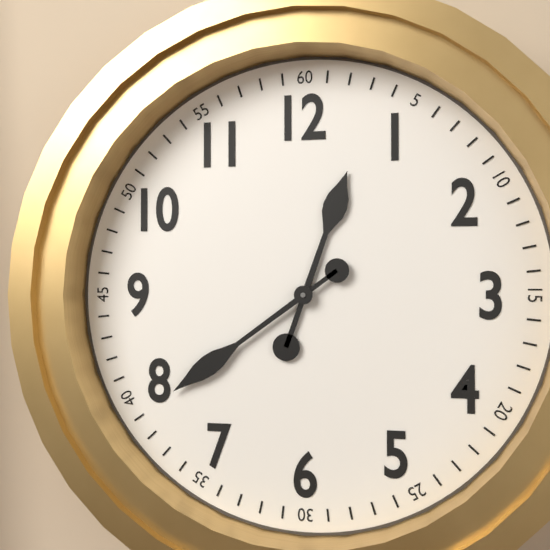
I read {"hour": 12, "minute": 39}
